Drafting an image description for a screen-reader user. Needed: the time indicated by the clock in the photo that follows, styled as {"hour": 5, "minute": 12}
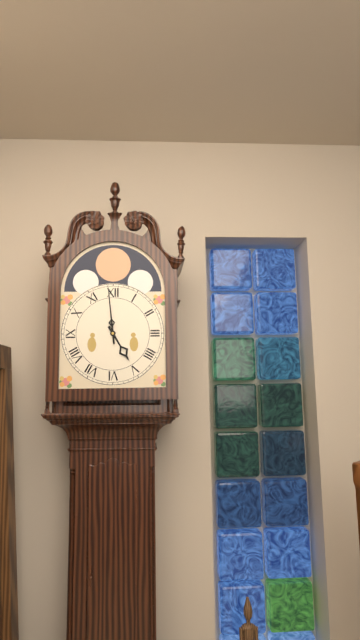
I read {"hour": 4, "minute": 59}
